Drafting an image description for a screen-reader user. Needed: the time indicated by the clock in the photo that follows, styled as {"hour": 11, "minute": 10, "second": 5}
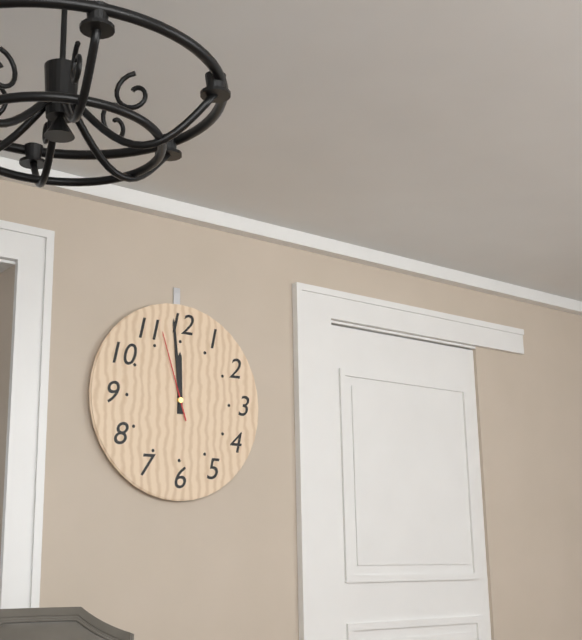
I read {"hour": 11, "minute": 59, "second": 57}
